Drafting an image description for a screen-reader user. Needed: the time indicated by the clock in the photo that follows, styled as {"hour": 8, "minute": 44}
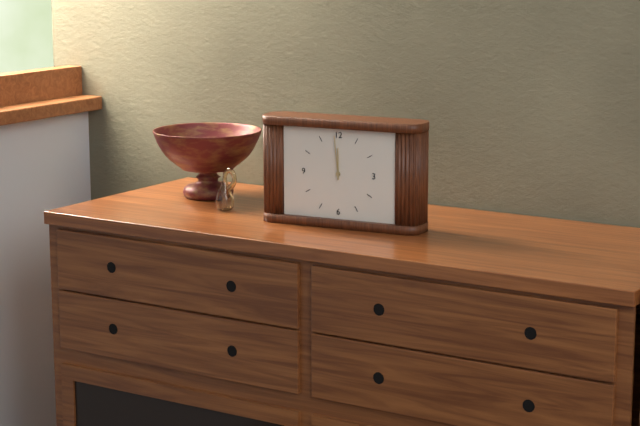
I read {"hour": 11, "minute": 59}
